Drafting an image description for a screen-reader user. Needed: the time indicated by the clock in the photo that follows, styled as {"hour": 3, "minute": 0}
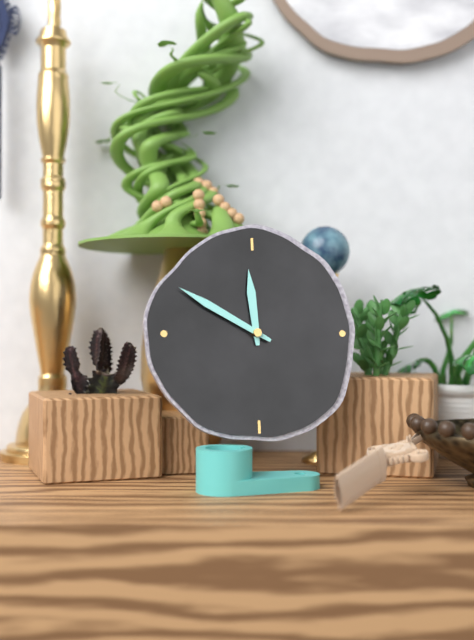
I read {"hour": 11, "minute": 50}
